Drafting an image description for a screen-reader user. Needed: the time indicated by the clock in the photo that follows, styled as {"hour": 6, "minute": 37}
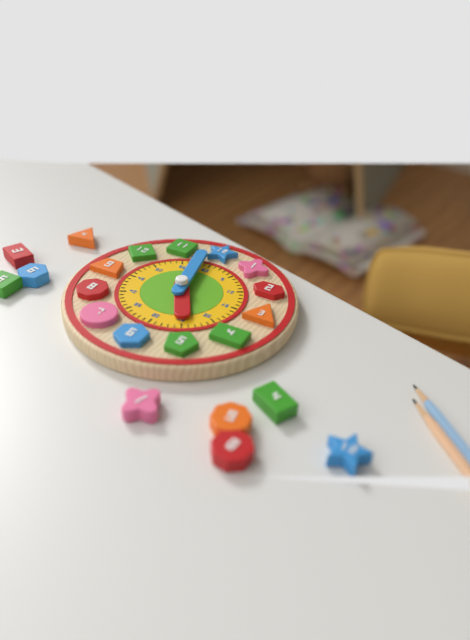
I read {"hour": 4, "minute": 58}
